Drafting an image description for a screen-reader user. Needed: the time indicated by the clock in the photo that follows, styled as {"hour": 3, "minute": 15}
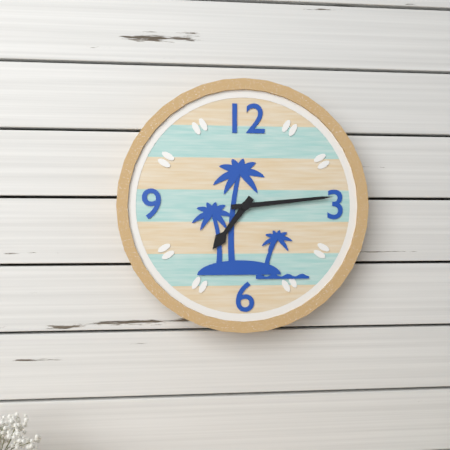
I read {"hour": 7, "minute": 14}
